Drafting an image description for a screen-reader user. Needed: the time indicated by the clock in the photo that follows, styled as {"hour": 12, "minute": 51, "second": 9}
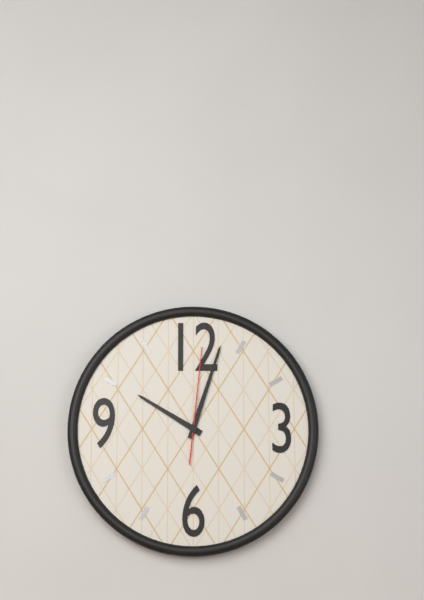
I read {"hour": 10, "minute": 3, "second": 1}
